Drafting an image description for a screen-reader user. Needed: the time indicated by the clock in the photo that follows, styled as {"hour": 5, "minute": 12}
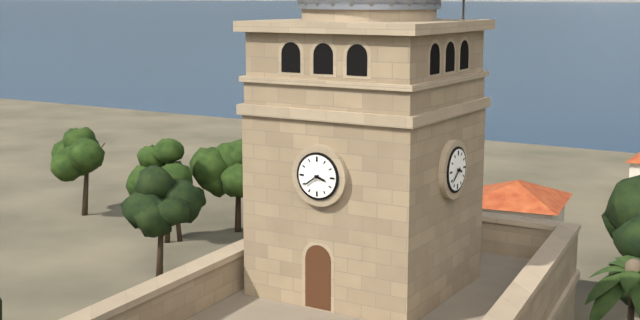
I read {"hour": 3, "minute": 39}
